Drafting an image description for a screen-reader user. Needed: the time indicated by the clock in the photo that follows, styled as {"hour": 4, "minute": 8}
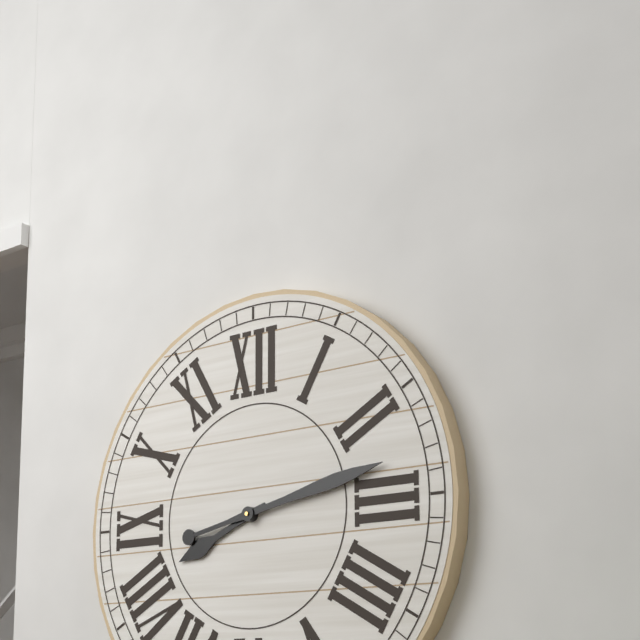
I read {"hour": 8, "minute": 13}
